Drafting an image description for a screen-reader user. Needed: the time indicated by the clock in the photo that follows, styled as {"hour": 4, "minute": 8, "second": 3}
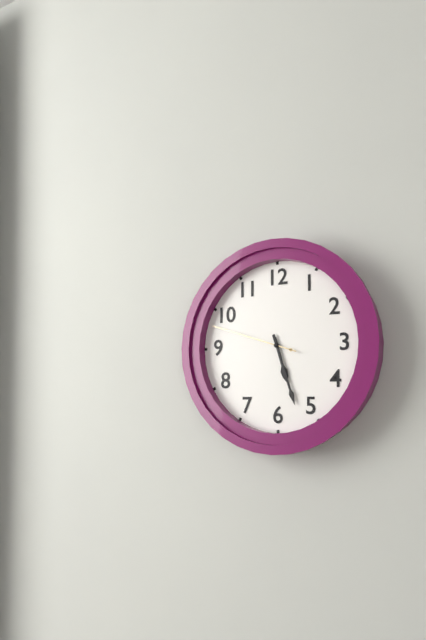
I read {"hour": 5, "minute": 27, "second": 48}
